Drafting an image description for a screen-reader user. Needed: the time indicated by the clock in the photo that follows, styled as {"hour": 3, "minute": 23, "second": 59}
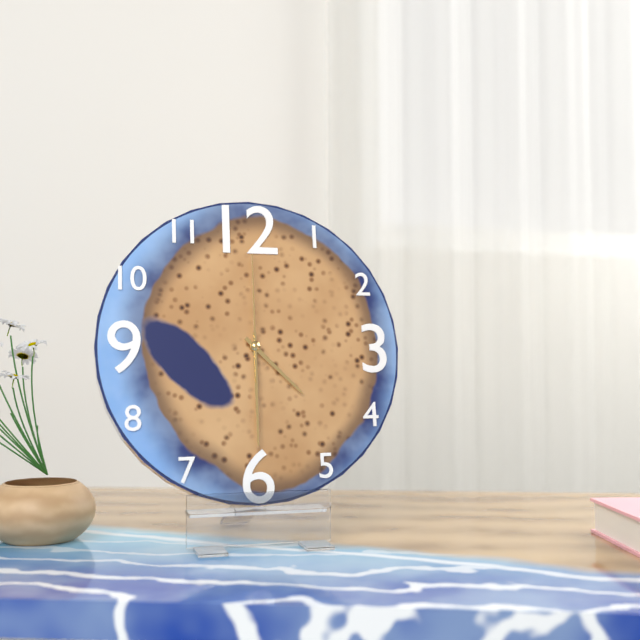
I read {"hour": 4, "minute": 30, "second": 0}
